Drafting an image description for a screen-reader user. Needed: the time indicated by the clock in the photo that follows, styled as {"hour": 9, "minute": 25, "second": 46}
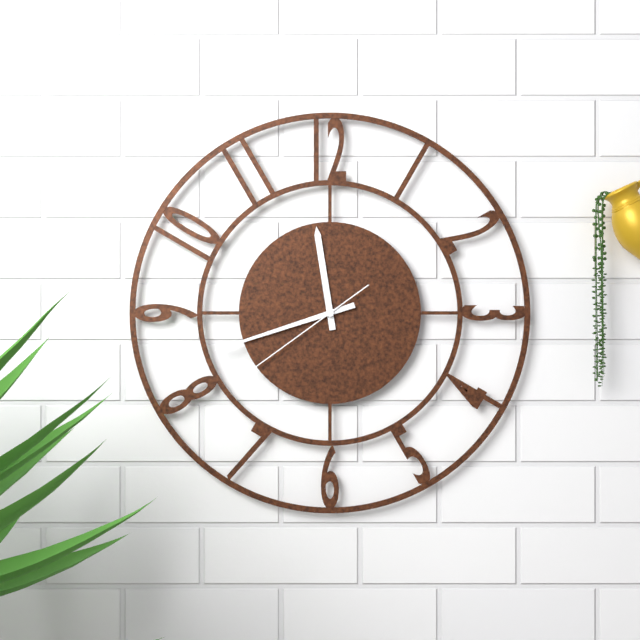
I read {"hour": 11, "minute": 42, "second": 39}
